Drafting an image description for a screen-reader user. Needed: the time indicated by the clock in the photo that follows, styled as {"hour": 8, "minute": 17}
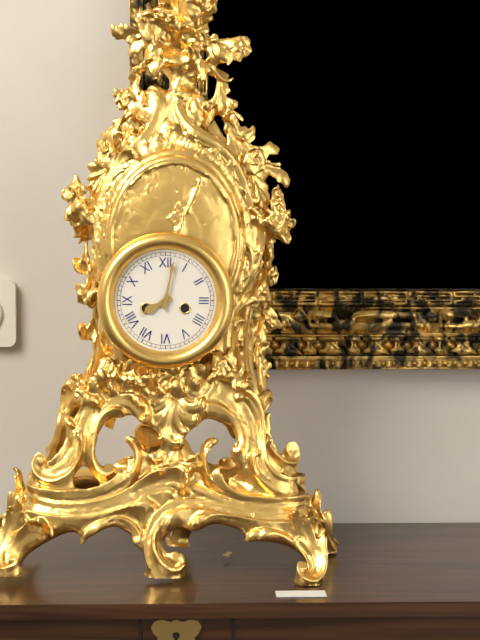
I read {"hour": 8, "minute": 2}
